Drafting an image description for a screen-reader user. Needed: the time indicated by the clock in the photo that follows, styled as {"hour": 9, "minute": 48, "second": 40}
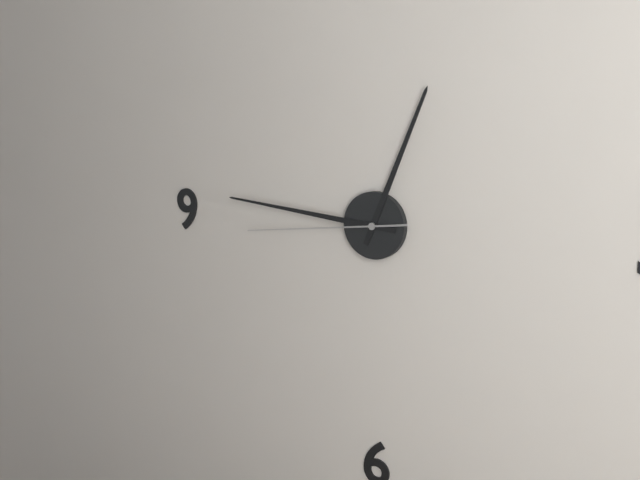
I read {"hour": 12, "minute": 46, "second": 44}
